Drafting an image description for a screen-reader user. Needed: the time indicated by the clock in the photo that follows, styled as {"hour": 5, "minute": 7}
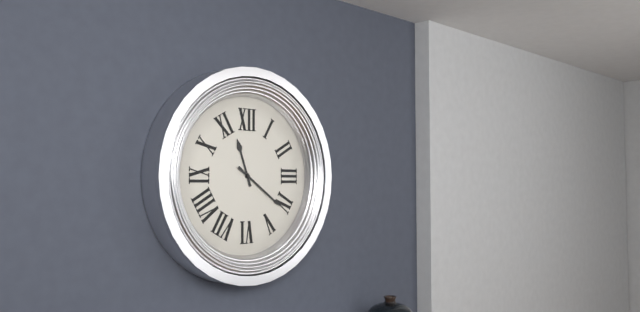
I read {"hour": 11, "minute": 21}
